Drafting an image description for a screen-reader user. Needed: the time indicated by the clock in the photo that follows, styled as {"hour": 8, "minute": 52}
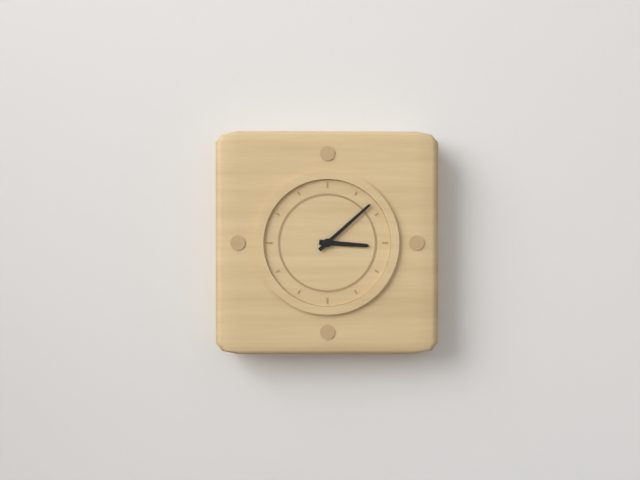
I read {"hour": 3, "minute": 8}
